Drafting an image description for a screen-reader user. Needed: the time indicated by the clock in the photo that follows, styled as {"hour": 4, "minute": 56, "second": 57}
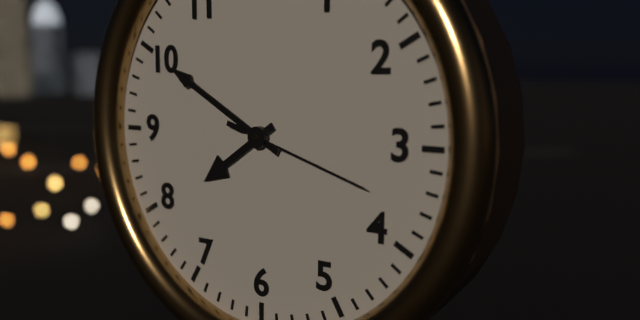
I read {"hour": 7, "minute": 50, "second": 18}
